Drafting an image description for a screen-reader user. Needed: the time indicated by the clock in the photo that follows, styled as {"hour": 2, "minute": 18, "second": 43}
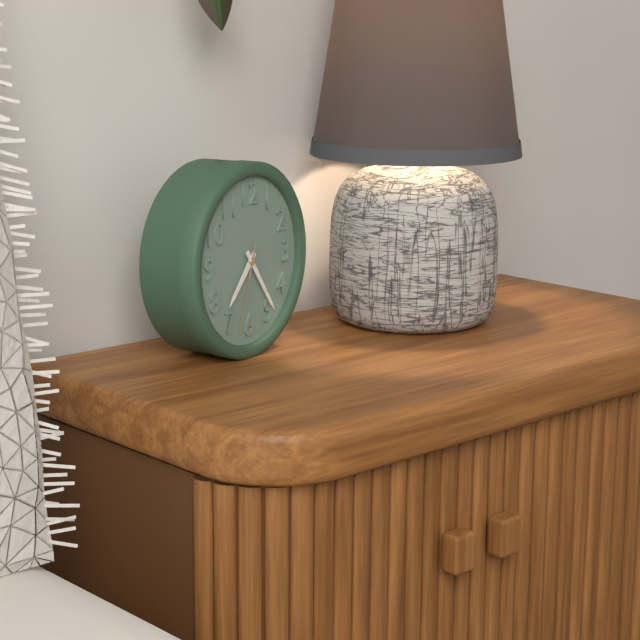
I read {"hour": 7, "minute": 24, "second": 33}
